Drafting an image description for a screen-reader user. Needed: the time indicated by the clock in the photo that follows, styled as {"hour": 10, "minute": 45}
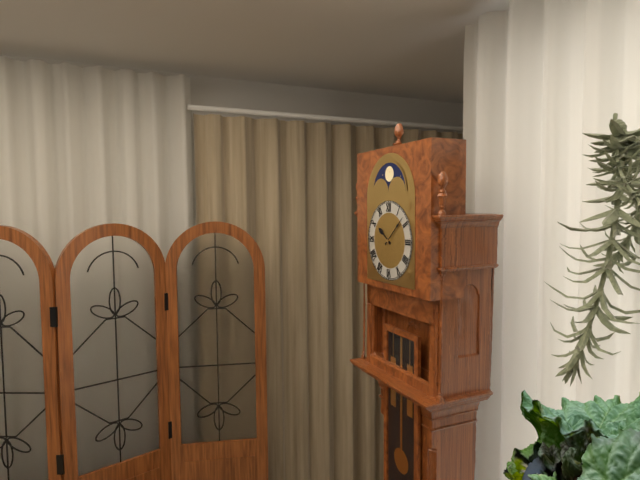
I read {"hour": 10, "minute": 8}
